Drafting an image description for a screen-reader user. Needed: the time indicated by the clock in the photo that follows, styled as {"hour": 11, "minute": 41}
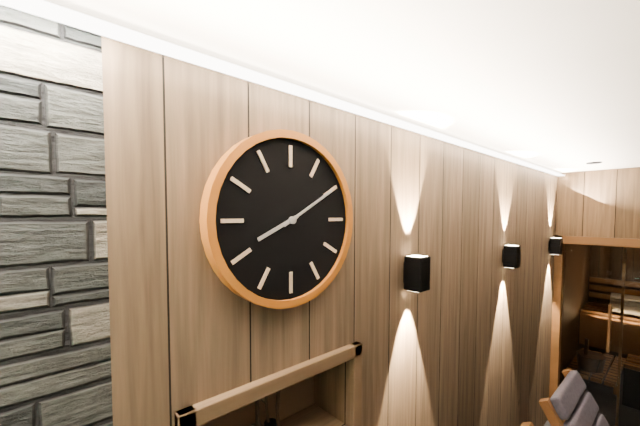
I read {"hour": 8, "minute": 10}
